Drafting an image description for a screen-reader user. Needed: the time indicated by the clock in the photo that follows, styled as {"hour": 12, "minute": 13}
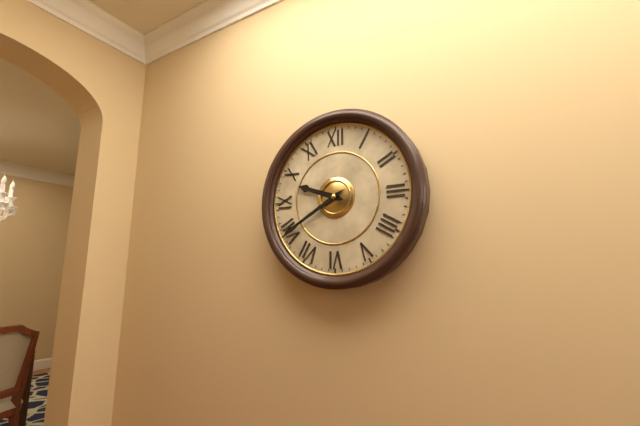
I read {"hour": 9, "minute": 40}
